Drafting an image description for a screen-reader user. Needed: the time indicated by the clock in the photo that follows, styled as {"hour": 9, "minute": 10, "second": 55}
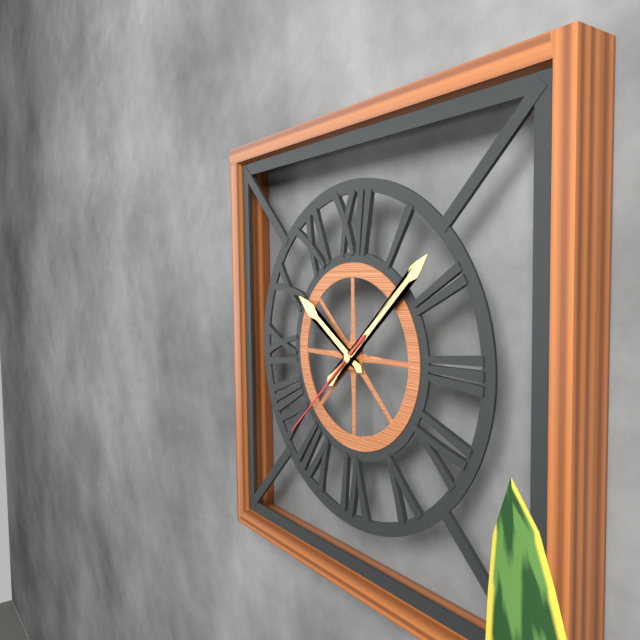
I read {"hour": 10, "minute": 8, "second": 38}
